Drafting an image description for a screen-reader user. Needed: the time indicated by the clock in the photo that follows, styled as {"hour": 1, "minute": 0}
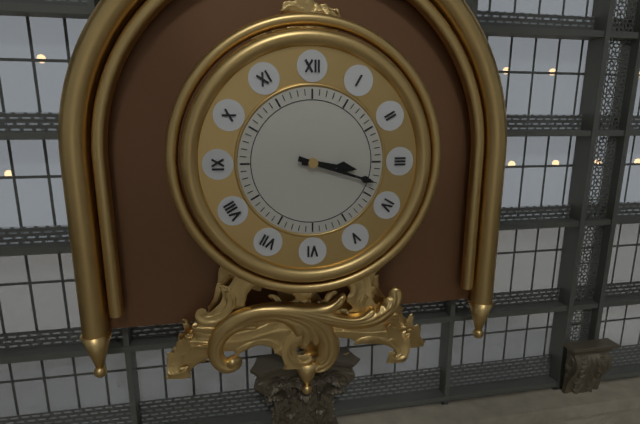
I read {"hour": 3, "minute": 18}
